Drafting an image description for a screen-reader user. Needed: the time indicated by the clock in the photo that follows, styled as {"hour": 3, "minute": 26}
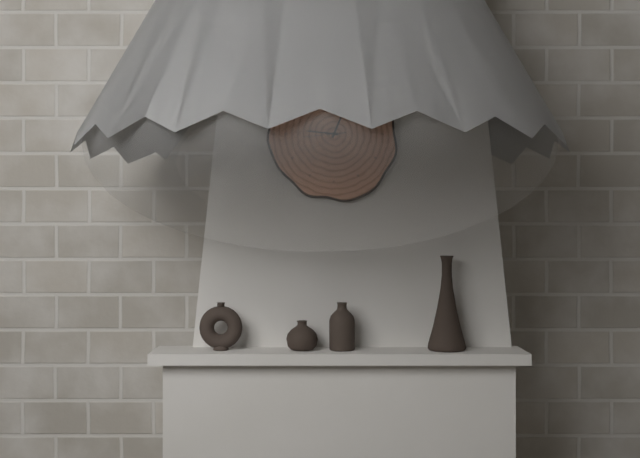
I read {"hour": 12, "minute": 46}
